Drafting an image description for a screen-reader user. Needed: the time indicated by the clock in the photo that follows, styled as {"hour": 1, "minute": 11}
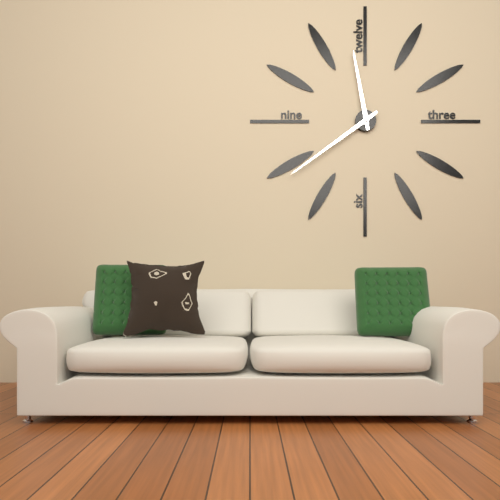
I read {"hour": 11, "minute": 39}
